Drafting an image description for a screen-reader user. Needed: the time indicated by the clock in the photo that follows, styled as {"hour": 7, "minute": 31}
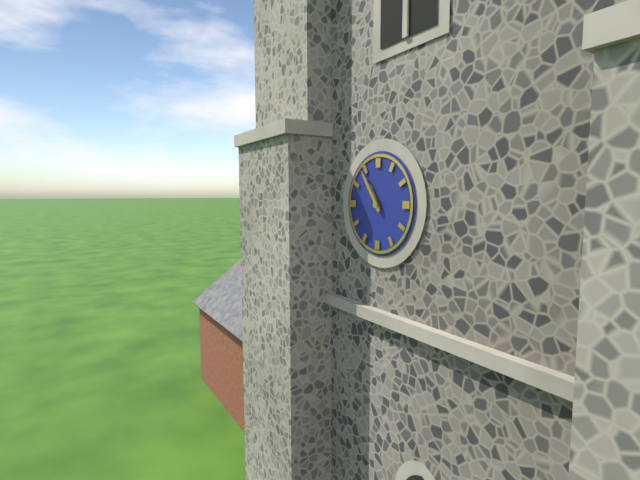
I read {"hour": 10, "minute": 54}
